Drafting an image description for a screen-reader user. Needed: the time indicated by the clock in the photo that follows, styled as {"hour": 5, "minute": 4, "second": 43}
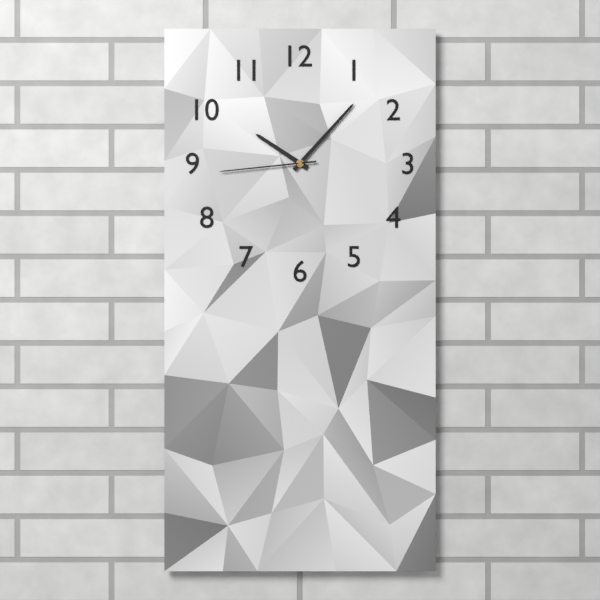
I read {"hour": 10, "minute": 7, "second": 44}
